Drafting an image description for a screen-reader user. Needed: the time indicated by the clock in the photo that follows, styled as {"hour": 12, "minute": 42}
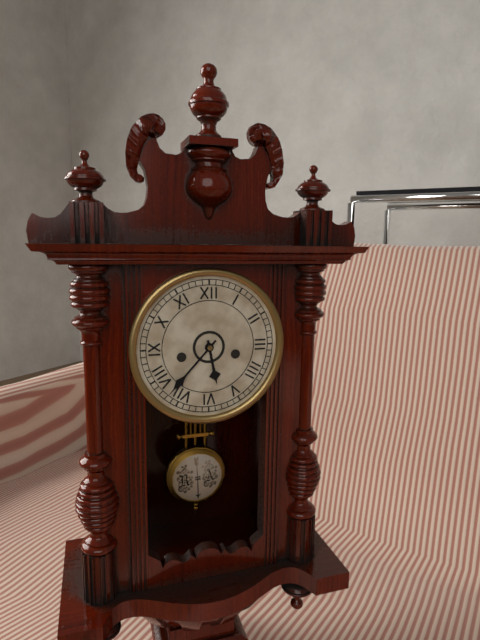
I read {"hour": 5, "minute": 37}
